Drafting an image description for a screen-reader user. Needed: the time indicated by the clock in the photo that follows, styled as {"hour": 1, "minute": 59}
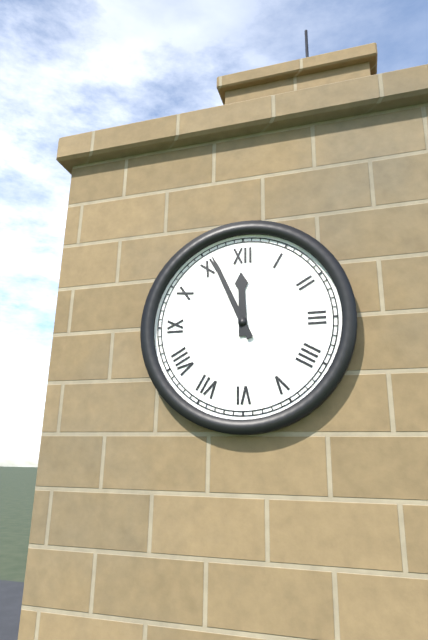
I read {"hour": 11, "minute": 56}
